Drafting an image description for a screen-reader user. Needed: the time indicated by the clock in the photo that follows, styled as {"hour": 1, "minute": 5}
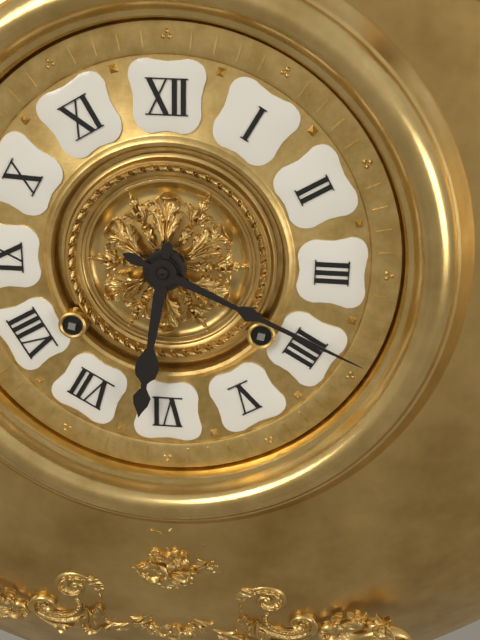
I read {"hour": 6, "minute": 19}
